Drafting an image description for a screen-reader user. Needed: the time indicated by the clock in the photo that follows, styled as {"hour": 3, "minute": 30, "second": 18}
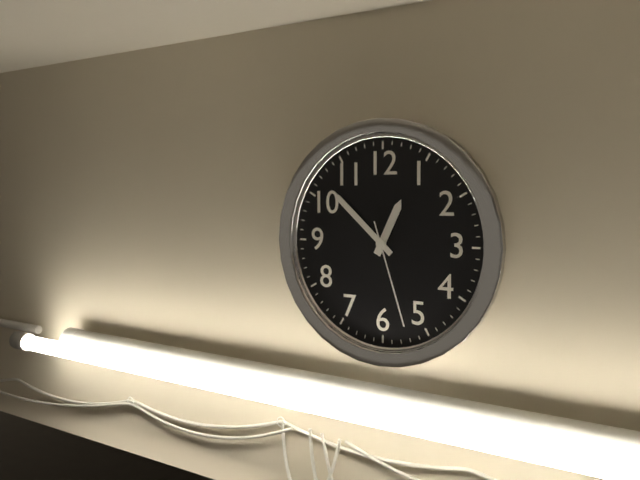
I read {"hour": 12, "minute": 52, "second": 27}
